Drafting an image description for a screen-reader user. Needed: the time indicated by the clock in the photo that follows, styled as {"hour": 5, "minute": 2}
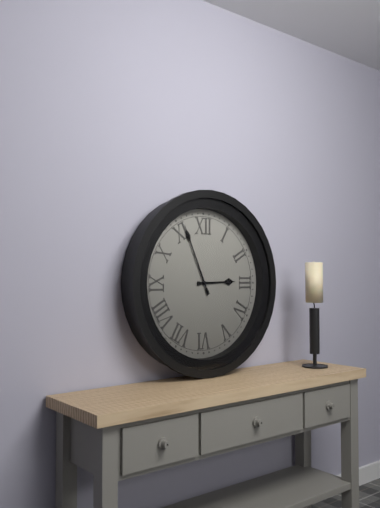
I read {"hour": 2, "minute": 56}
